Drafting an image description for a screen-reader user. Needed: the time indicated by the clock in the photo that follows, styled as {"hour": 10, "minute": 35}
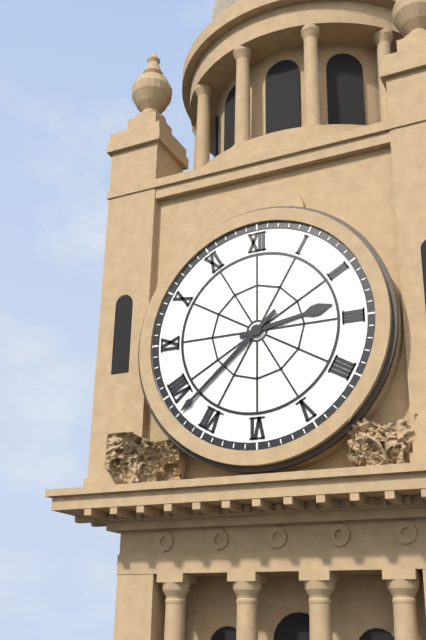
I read {"hour": 2, "minute": 38}
